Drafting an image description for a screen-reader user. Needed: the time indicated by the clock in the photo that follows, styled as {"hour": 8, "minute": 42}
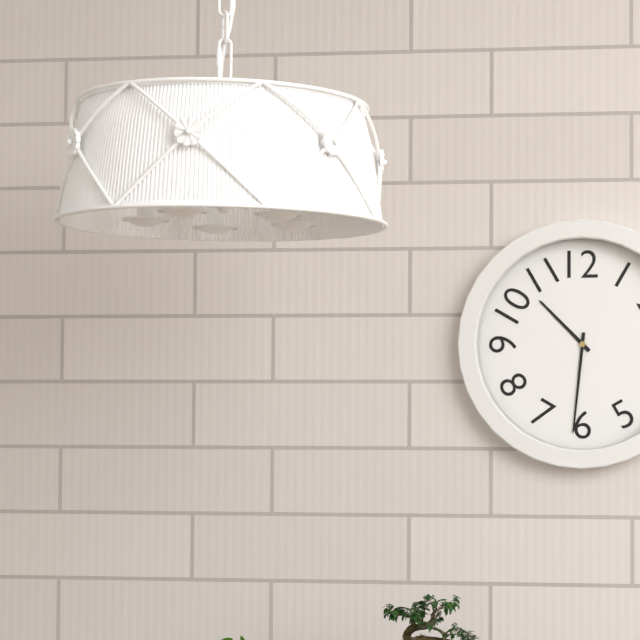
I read {"hour": 10, "minute": 31}
